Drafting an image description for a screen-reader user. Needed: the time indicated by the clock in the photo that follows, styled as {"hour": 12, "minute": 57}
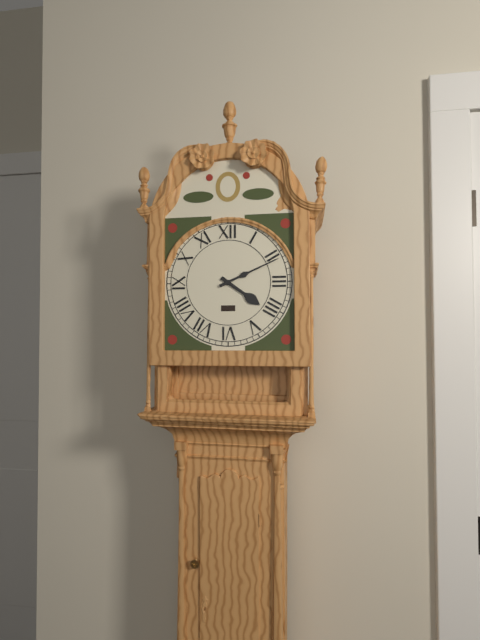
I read {"hour": 4, "minute": 11}
